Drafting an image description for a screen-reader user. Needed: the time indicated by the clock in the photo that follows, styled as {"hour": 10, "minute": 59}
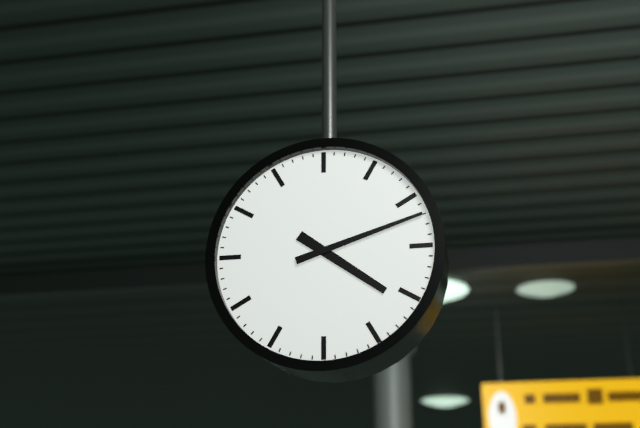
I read {"hour": 4, "minute": 12}
